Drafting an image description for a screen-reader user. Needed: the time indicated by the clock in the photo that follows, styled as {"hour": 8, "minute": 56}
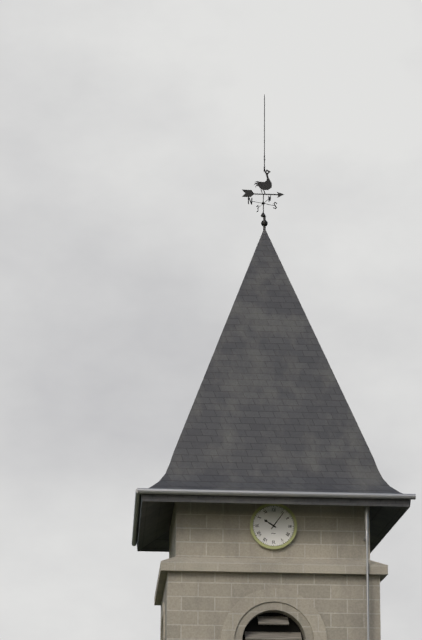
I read {"hour": 10, "minute": 6}
